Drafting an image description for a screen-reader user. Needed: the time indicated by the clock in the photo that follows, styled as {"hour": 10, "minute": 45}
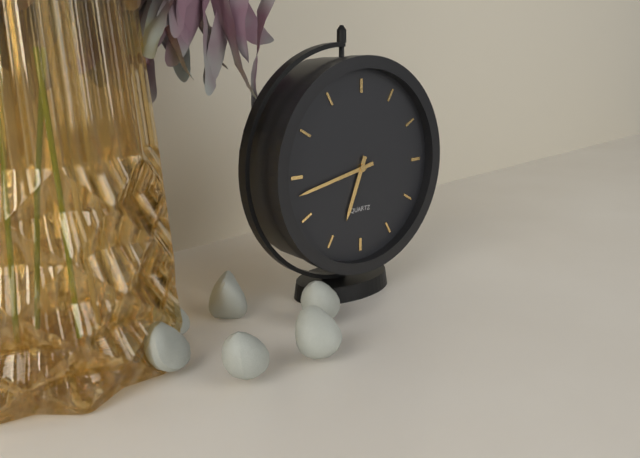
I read {"hour": 6, "minute": 43}
